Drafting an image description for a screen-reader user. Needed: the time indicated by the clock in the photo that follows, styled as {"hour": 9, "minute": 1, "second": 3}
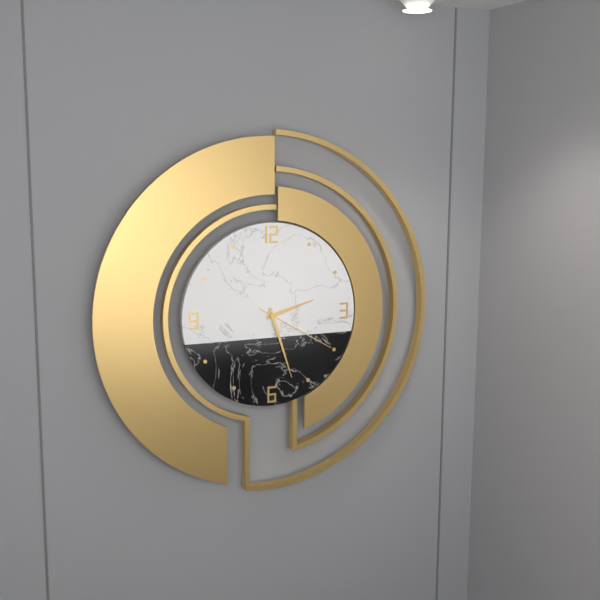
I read {"hour": 2, "minute": 27, "second": 20}
